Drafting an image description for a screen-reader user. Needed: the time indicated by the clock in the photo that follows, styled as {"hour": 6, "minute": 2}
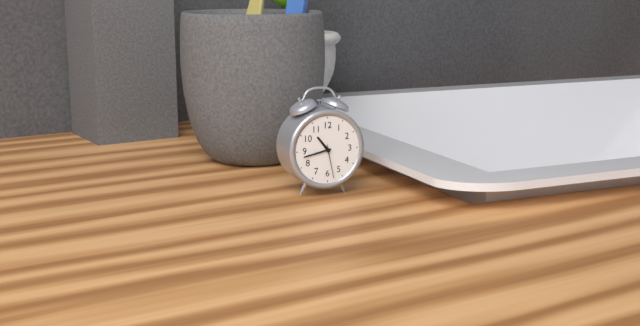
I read {"hour": 10, "minute": 43}
